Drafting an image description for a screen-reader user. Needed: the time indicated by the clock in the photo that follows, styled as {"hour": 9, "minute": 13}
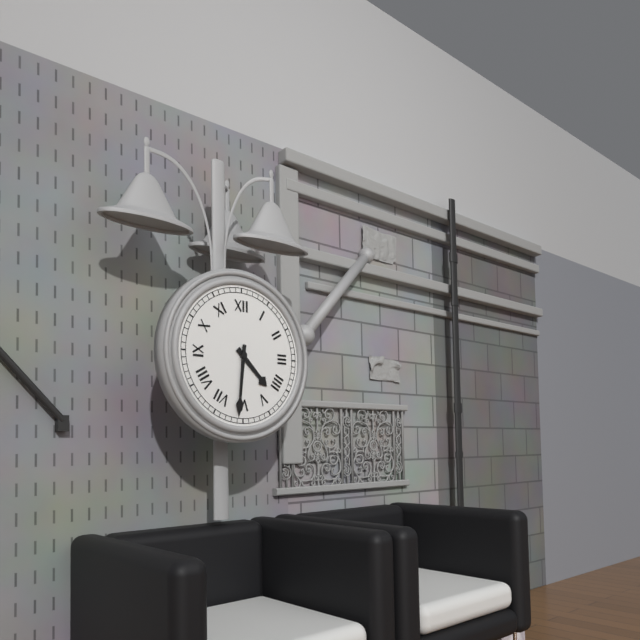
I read {"hour": 4, "minute": 31}
